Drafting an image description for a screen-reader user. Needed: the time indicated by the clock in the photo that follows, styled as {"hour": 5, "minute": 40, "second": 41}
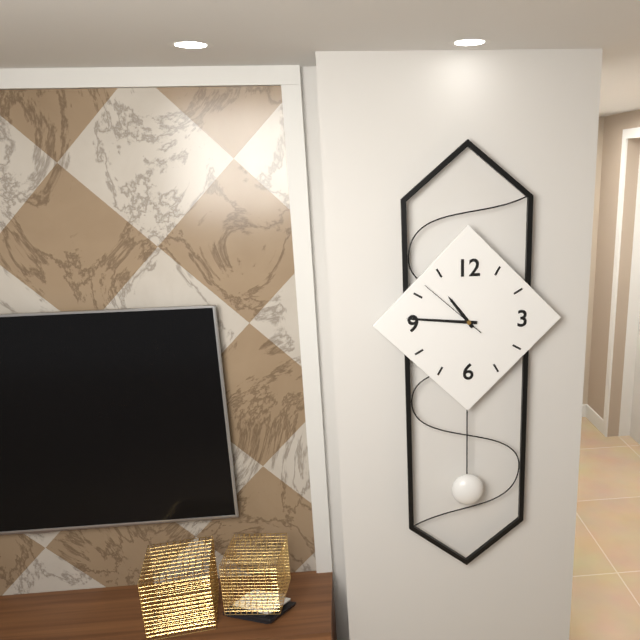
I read {"hour": 10, "minute": 46, "second": 52}
